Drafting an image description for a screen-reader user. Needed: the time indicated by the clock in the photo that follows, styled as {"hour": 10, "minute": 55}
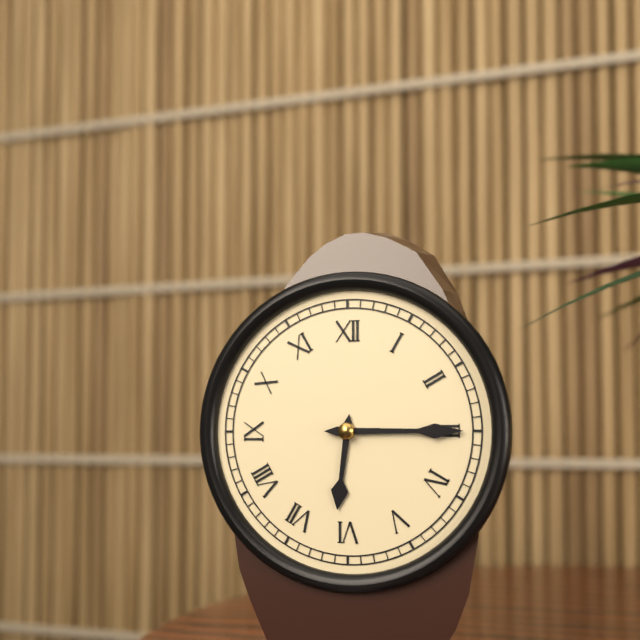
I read {"hour": 6, "minute": 15}
